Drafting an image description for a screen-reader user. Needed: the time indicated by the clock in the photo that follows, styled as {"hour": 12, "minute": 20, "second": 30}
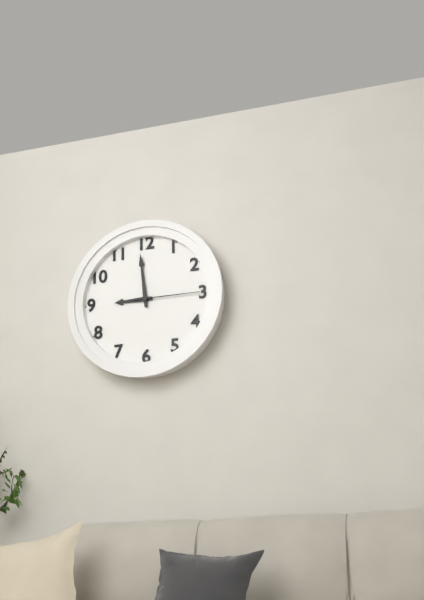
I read {"hour": 8, "minute": 59, "second": 15}
